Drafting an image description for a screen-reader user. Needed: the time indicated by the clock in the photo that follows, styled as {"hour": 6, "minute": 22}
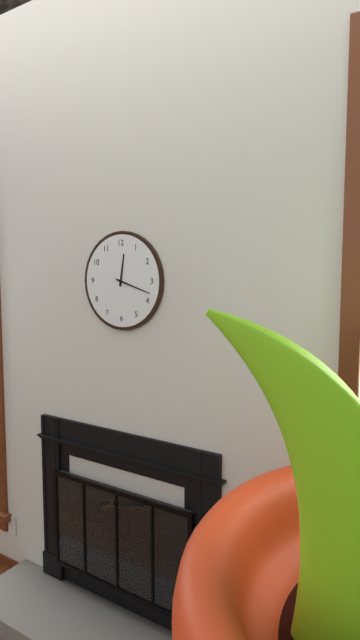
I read {"hour": 12, "minute": 18}
